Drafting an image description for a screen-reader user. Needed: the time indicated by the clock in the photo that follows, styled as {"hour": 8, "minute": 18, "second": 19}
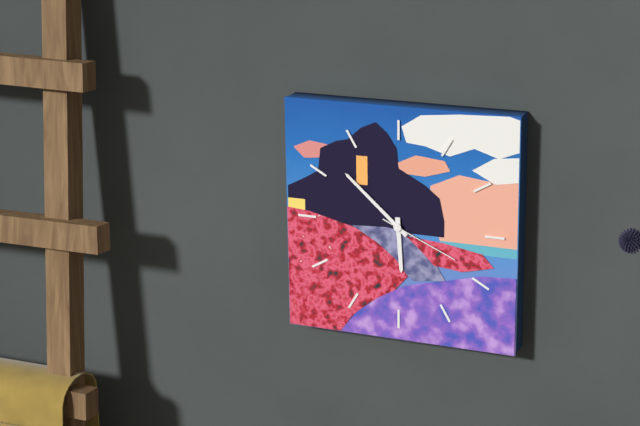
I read {"hour": 5, "minute": 52, "second": 19}
